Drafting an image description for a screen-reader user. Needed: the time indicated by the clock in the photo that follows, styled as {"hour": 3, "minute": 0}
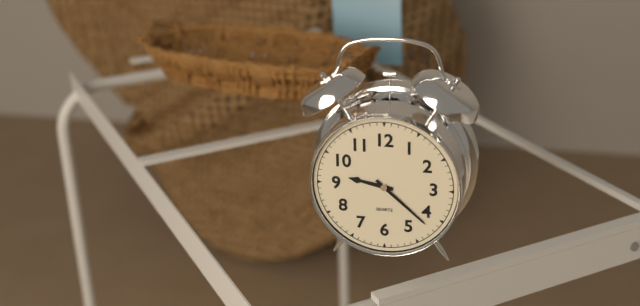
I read {"hour": 9, "minute": 22}
